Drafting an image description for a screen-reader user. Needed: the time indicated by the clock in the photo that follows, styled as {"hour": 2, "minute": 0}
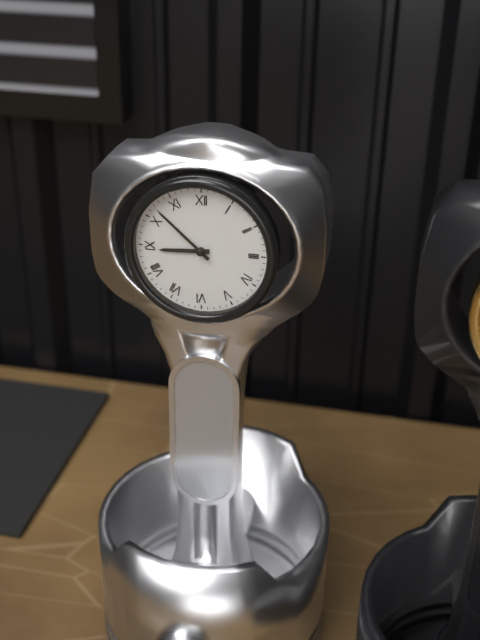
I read {"hour": 8, "minute": 52}
